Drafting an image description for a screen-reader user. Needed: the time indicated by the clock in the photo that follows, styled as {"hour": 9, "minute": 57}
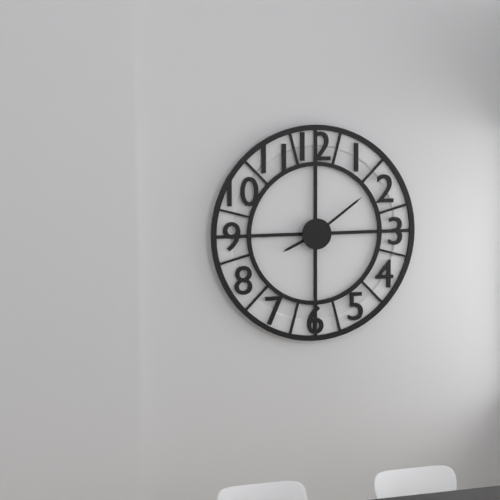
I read {"hour": 8, "minute": 9}
